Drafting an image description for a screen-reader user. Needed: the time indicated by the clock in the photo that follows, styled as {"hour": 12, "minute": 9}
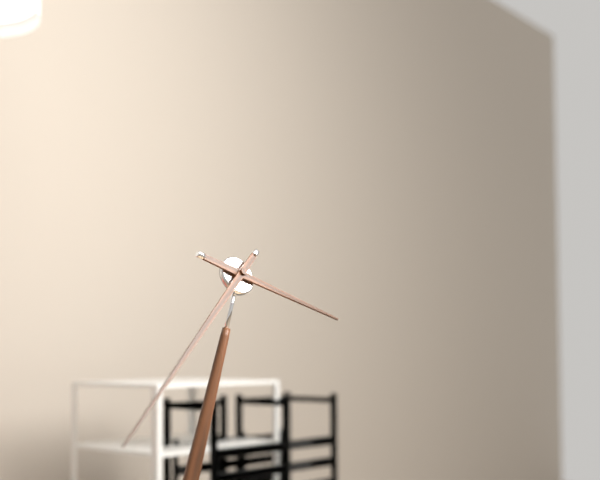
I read {"hour": 3, "minute": 38}
